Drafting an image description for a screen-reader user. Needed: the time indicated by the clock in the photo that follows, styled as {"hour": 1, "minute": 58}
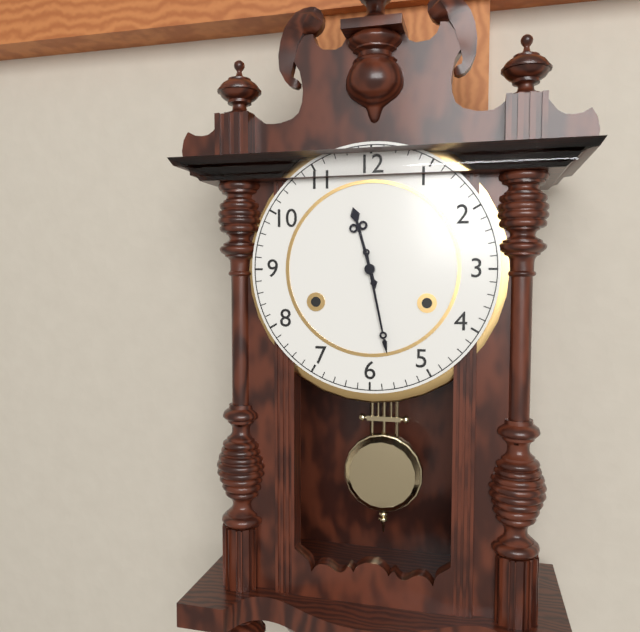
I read {"hour": 11, "minute": 28}
